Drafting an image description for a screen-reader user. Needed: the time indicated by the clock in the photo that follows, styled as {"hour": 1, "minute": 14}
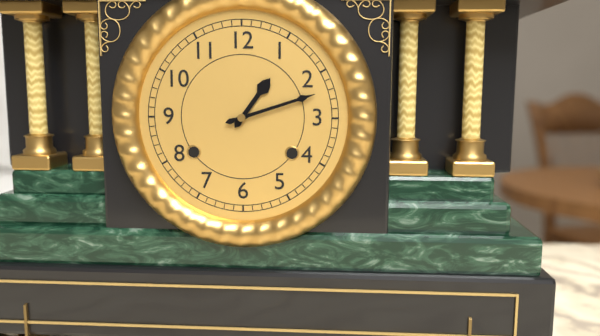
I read {"hour": 1, "minute": 12}
